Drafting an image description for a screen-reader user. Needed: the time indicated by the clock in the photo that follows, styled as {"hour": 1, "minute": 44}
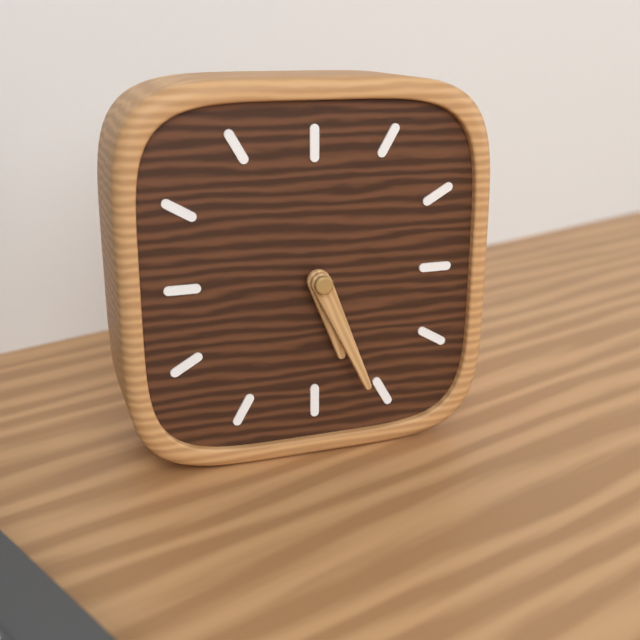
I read {"hour": 5, "minute": 26}
